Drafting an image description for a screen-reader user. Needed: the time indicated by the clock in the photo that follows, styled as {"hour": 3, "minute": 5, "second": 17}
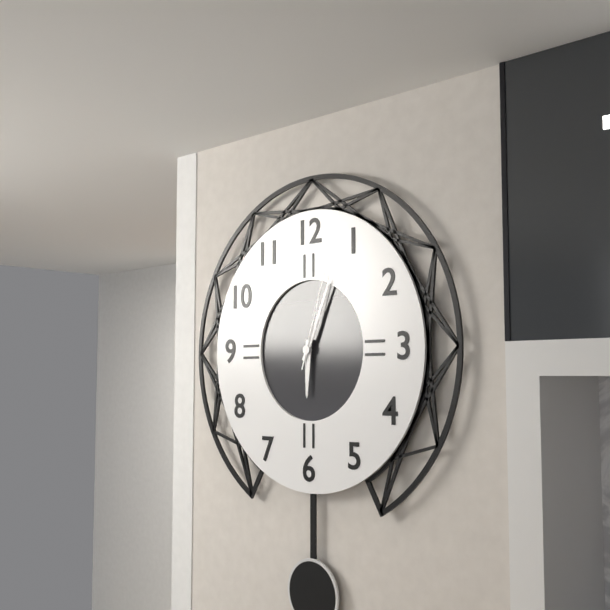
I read {"hour": 6, "minute": 4, "second": 3}
